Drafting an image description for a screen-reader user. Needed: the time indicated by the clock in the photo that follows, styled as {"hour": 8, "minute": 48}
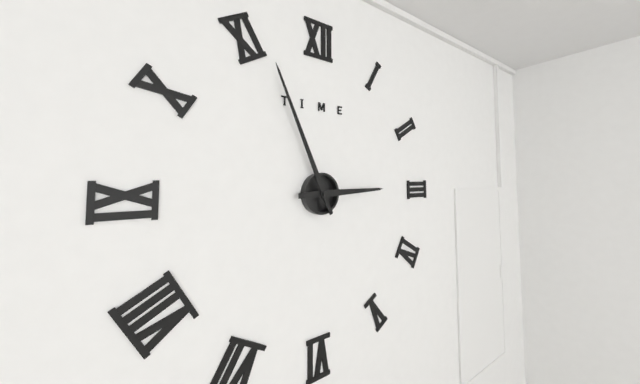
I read {"hour": 2, "minute": 56}
